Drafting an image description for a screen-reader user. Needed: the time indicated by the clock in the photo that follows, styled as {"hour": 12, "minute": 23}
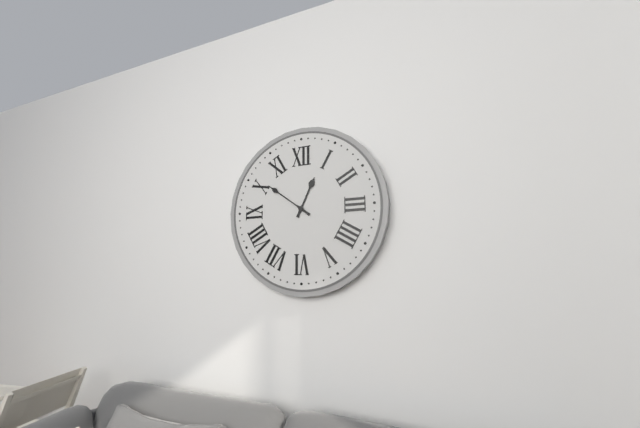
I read {"hour": 12, "minute": 51}
